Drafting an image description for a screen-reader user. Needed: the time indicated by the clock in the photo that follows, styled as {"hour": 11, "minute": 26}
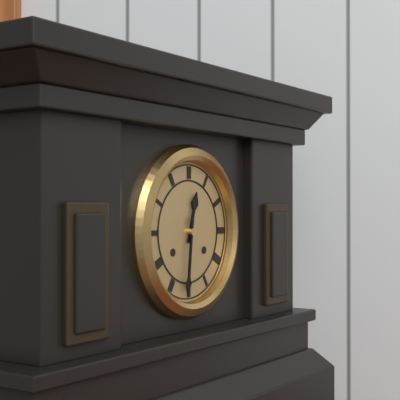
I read {"hour": 12, "minute": 31}
